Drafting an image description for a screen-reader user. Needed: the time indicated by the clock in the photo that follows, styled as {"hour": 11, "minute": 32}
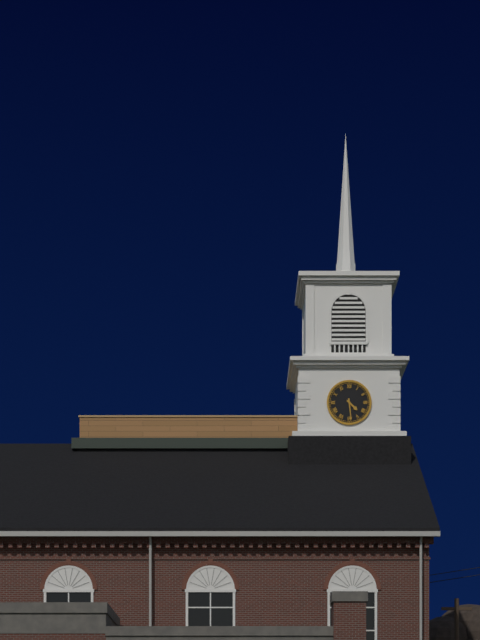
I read {"hour": 4, "minute": 29}
